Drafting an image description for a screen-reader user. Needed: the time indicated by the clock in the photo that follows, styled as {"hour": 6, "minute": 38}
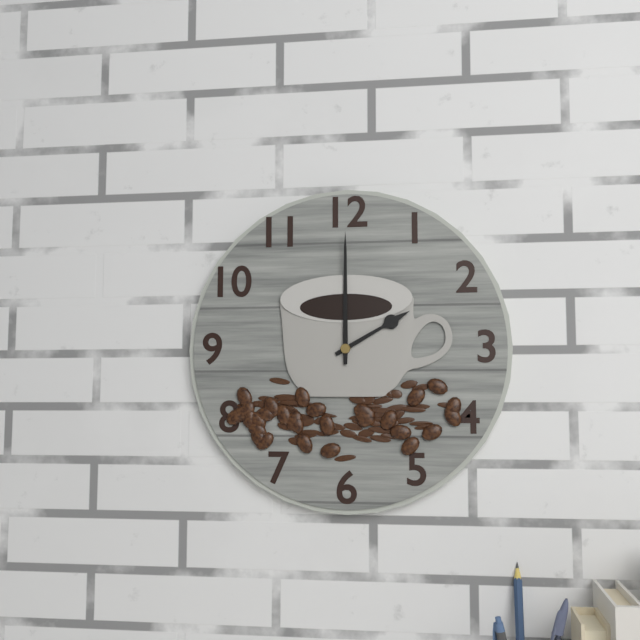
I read {"hour": 2, "minute": 0}
